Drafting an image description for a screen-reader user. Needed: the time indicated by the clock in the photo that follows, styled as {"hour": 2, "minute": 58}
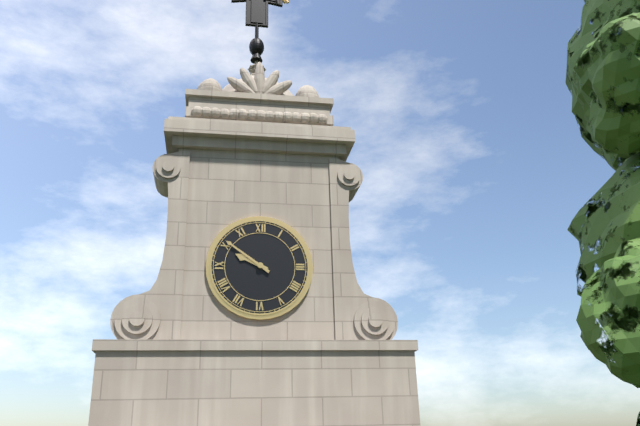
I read {"hour": 9, "minute": 51}
